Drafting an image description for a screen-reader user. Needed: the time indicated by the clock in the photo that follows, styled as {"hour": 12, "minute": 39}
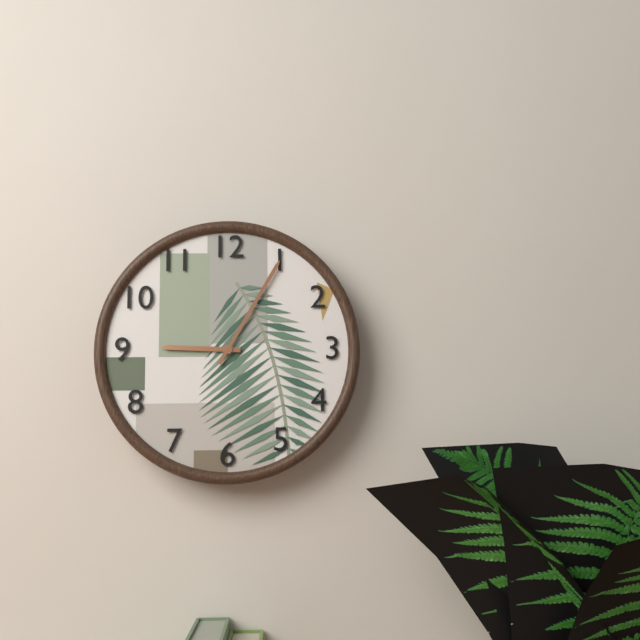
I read {"hour": 9, "minute": 5}
